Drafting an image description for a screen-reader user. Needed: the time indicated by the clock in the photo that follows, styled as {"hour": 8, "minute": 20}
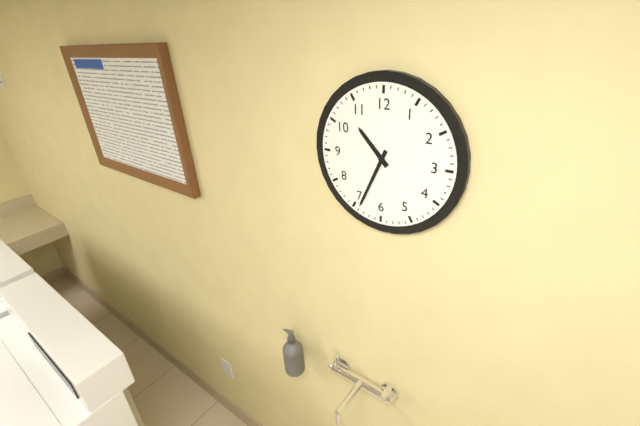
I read {"hour": 10, "minute": 34}
